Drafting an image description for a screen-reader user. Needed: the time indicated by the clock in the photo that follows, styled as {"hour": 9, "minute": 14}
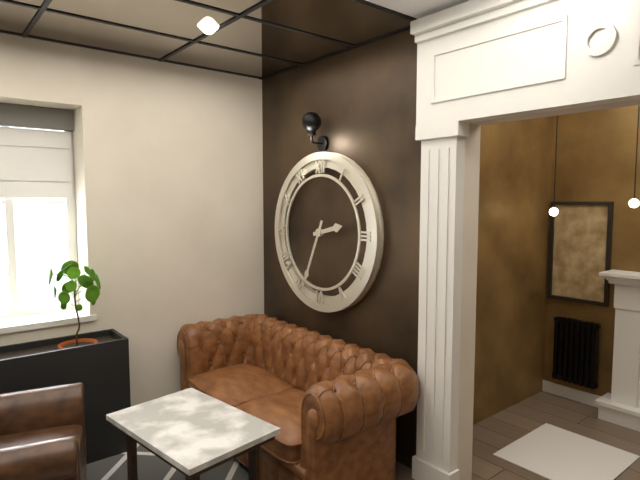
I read {"hour": 2, "minute": 34}
